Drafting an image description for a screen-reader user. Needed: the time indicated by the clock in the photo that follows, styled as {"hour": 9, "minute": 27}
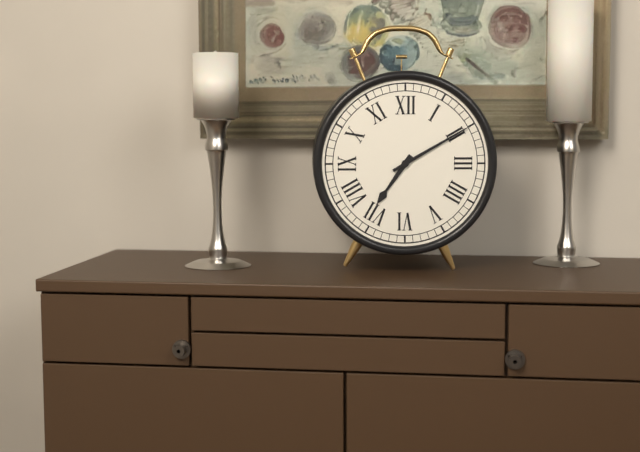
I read {"hour": 7, "minute": 10}
